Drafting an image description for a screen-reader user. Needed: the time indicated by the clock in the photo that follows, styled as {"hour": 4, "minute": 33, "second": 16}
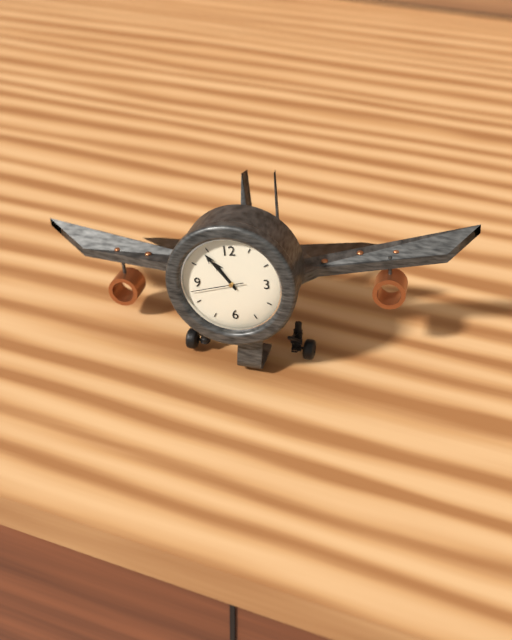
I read {"hour": 10, "minute": 54, "second": 43}
